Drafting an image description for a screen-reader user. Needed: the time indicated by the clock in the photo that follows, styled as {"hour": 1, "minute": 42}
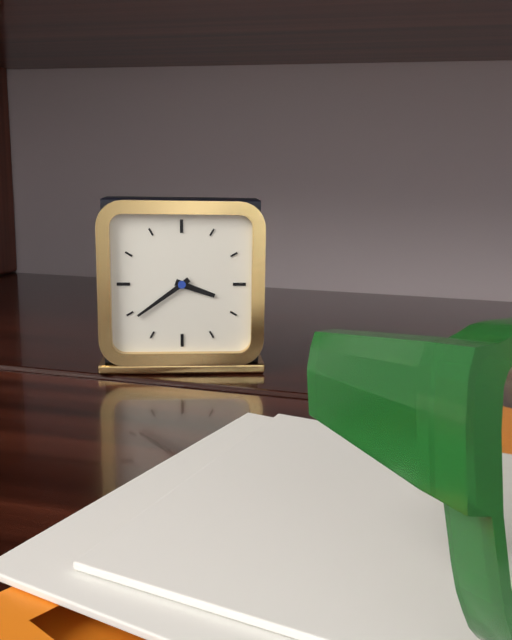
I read {"hour": 3, "minute": 39}
